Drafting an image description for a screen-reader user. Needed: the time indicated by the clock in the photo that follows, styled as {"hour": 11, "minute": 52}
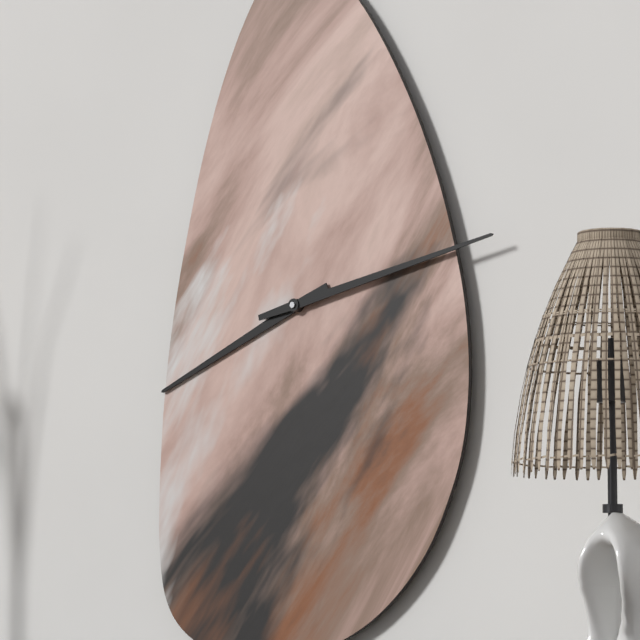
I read {"hour": 8, "minute": 13}
